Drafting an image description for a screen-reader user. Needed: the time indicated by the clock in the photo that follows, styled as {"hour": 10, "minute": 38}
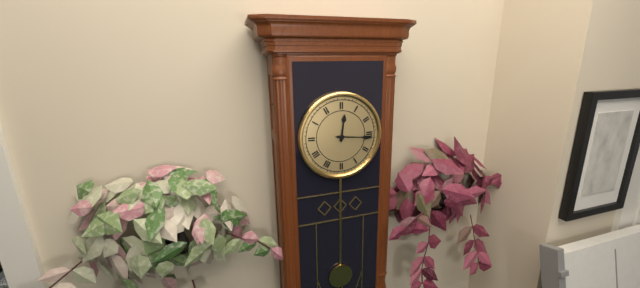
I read {"hour": 12, "minute": 16}
